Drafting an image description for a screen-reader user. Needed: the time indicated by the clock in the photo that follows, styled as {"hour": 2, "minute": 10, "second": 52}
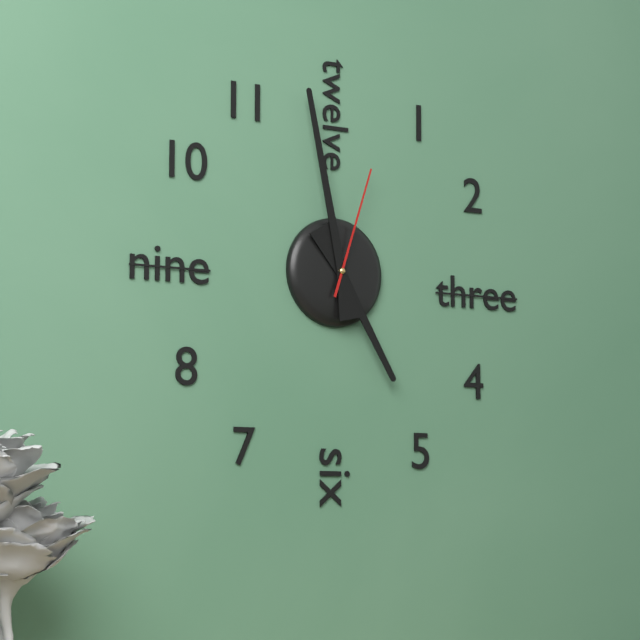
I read {"hour": 4, "minute": 58, "second": 3}
